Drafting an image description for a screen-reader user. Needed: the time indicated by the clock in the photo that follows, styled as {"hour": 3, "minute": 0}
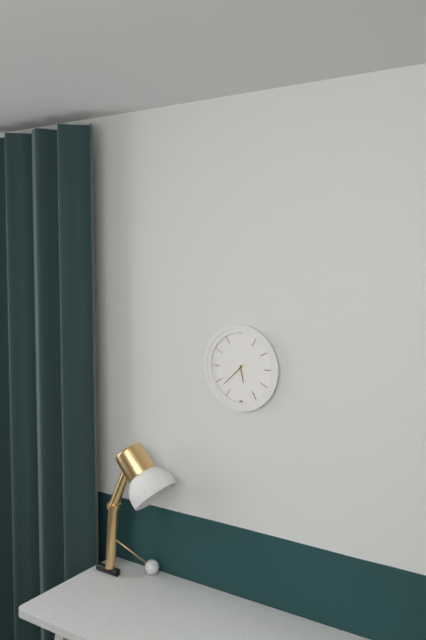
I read {"hour": 5, "minute": 38}
